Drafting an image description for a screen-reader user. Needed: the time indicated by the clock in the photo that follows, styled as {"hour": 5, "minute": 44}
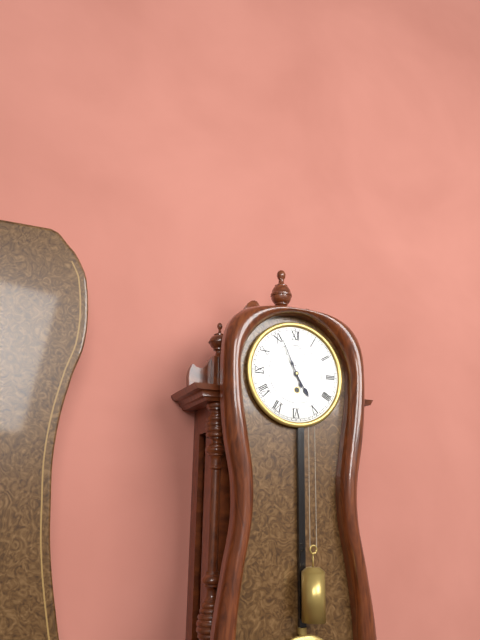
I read {"hour": 4, "minute": 56}
